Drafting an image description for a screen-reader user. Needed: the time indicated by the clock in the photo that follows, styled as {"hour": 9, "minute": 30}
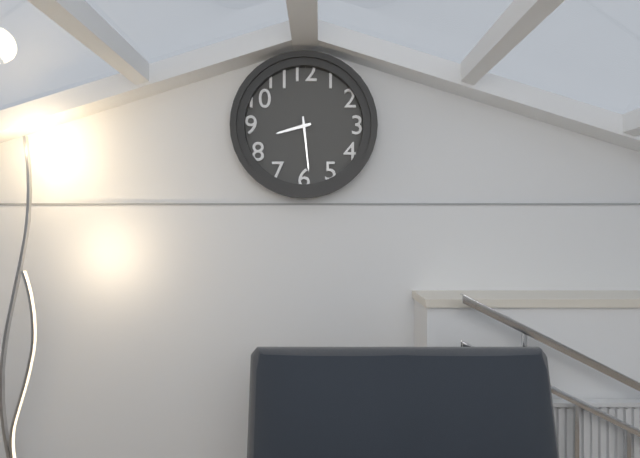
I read {"hour": 8, "minute": 29}
